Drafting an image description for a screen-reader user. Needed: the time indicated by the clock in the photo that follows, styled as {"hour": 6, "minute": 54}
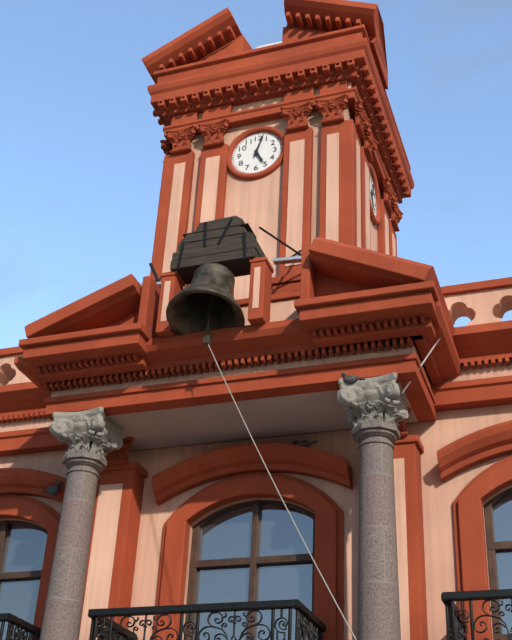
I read {"hour": 5, "minute": 3}
